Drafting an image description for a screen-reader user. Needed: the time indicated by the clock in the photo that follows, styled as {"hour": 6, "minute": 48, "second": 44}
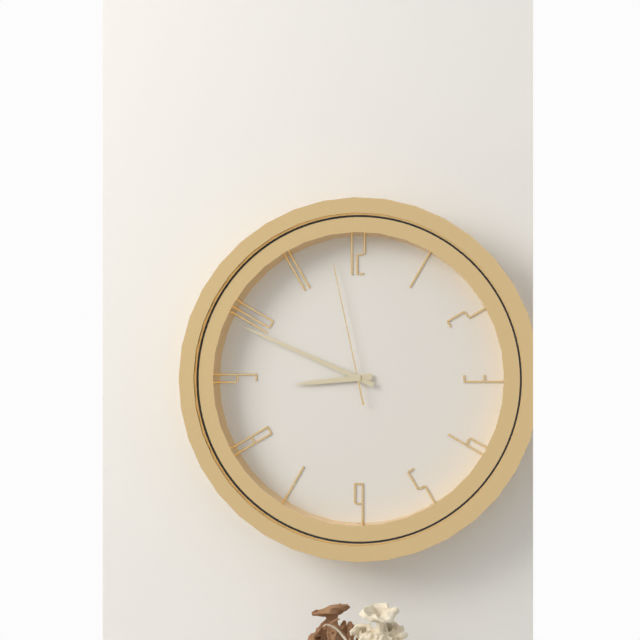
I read {"hour": 8, "minute": 49, "second": 58}
